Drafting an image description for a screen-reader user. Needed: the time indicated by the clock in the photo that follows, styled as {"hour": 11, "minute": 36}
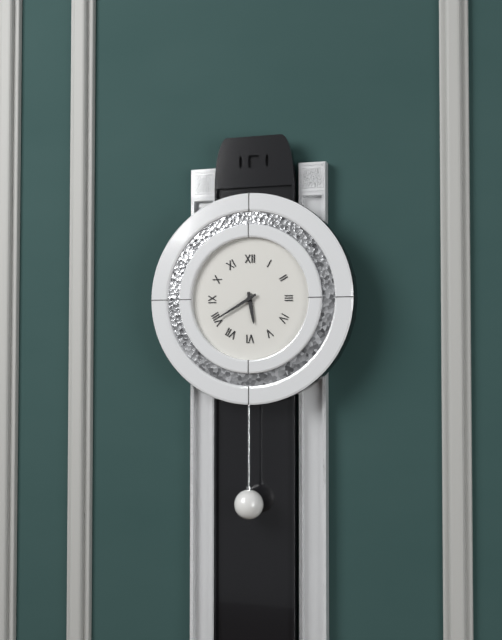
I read {"hour": 5, "minute": 40}
